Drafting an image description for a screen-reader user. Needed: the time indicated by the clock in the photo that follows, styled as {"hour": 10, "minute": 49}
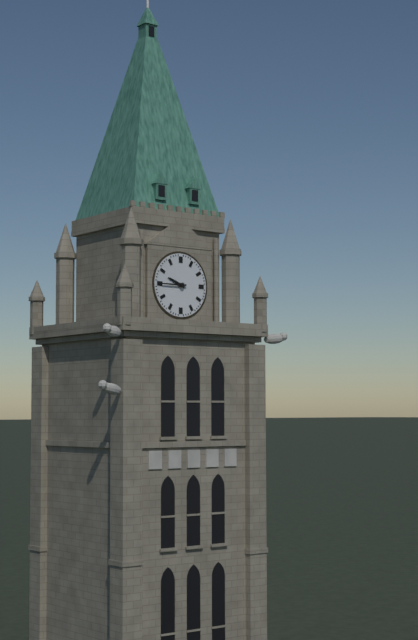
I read {"hour": 9, "minute": 45}
